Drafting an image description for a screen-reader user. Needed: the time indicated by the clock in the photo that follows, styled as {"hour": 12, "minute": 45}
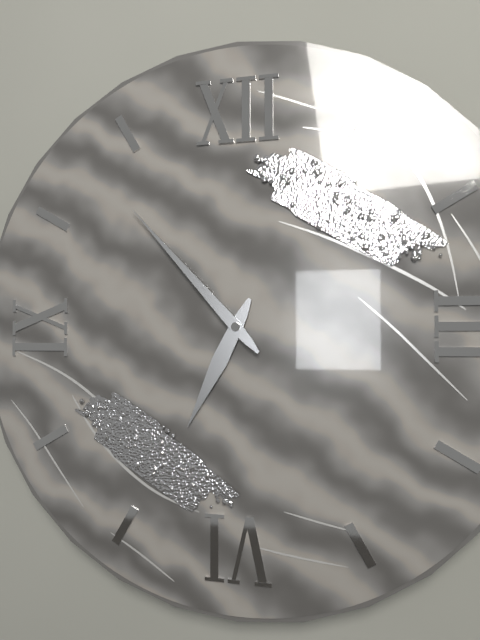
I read {"hour": 6, "minute": 53}
